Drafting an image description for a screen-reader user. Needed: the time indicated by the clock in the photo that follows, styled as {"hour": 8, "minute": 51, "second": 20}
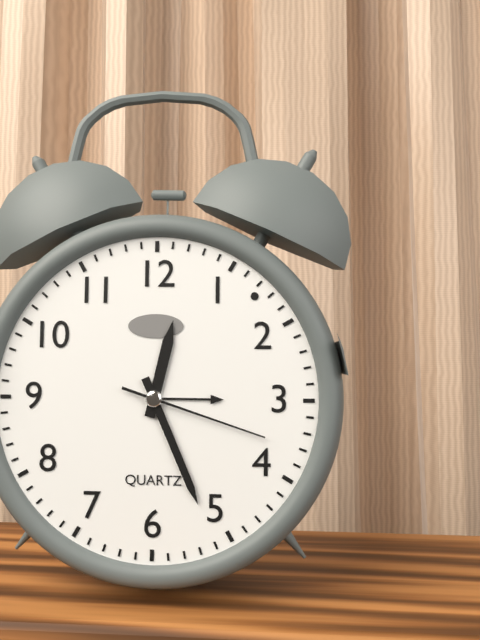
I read {"hour": 12, "minute": 26, "second": 18}
